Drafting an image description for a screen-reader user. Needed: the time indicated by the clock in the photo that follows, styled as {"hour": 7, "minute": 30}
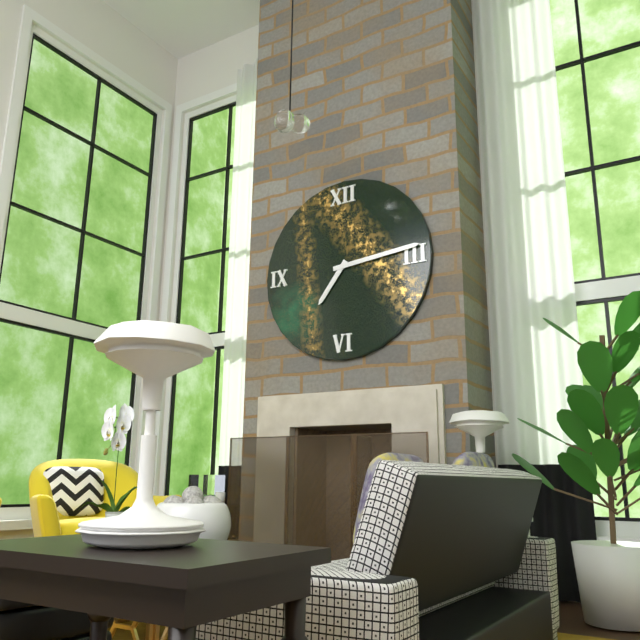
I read {"hour": 7, "minute": 14}
